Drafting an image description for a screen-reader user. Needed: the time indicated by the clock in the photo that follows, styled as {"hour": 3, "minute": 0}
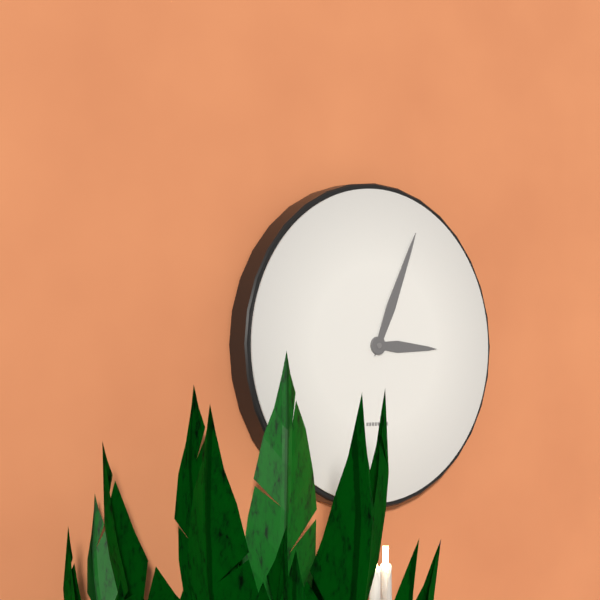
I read {"hour": 3, "minute": 4}
